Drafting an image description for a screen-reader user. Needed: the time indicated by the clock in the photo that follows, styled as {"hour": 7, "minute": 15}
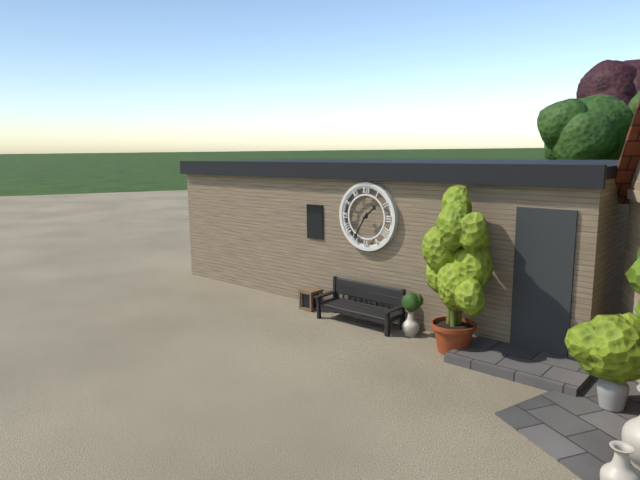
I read {"hour": 1, "minute": 35}
